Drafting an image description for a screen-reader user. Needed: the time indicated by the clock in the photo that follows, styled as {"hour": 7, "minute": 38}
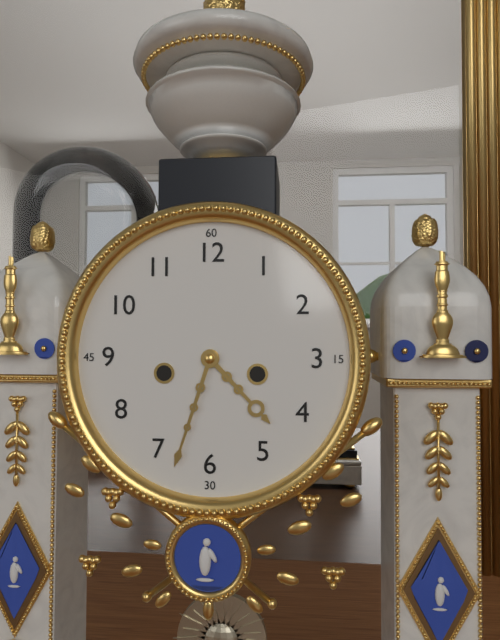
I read {"hour": 4, "minute": 33}
